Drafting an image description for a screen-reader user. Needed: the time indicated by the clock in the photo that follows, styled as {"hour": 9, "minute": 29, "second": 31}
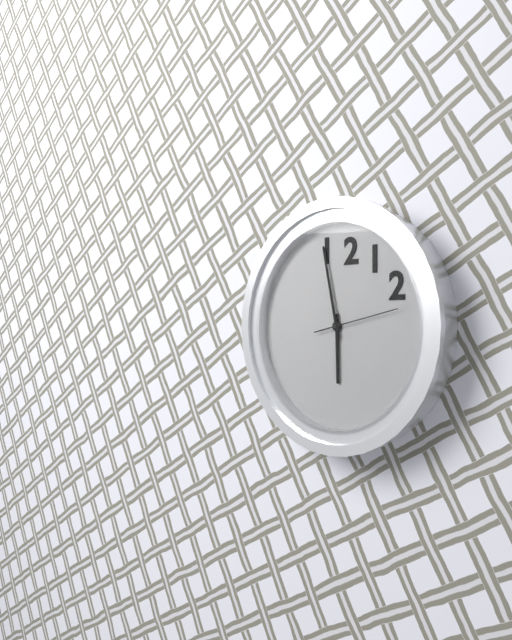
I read {"hour": 5, "minute": 58, "second": 13}
